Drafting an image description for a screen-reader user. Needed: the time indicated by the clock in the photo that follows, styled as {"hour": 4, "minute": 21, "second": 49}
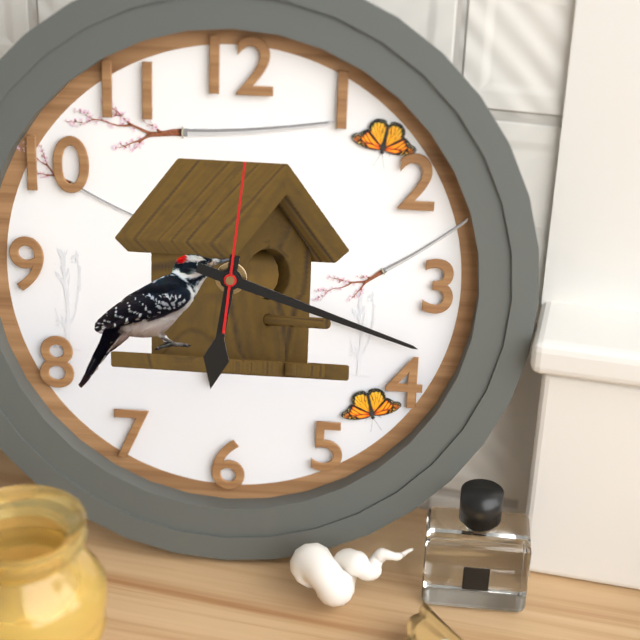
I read {"hour": 6, "minute": 18, "second": 1}
